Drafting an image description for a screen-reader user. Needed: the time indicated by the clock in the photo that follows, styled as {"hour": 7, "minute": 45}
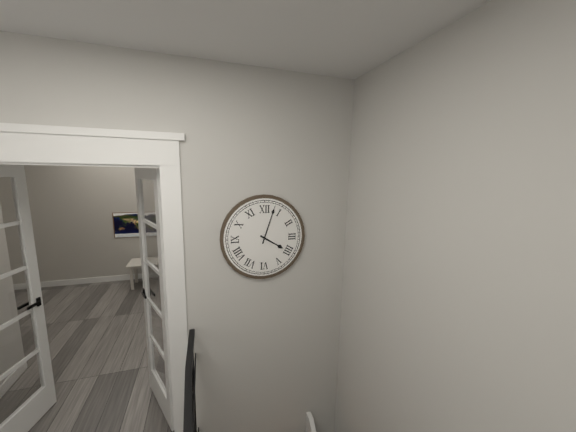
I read {"hour": 4, "minute": 3}
